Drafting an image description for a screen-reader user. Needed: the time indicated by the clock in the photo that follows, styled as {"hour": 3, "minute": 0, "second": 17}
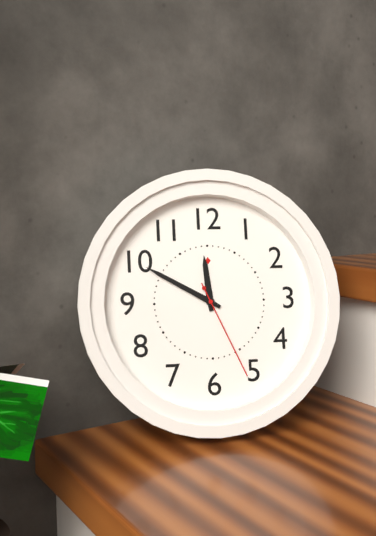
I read {"hour": 11, "minute": 50, "second": 26}
